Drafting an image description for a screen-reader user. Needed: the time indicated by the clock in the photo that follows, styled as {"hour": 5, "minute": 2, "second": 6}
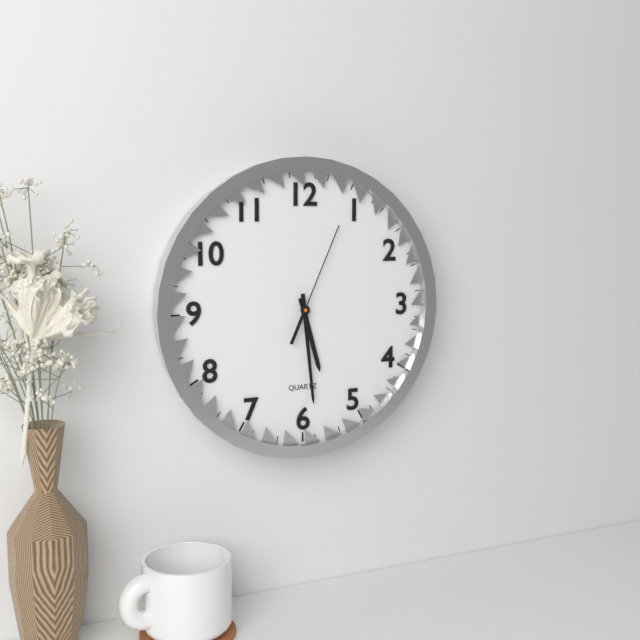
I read {"hour": 5, "minute": 29, "second": 4}
